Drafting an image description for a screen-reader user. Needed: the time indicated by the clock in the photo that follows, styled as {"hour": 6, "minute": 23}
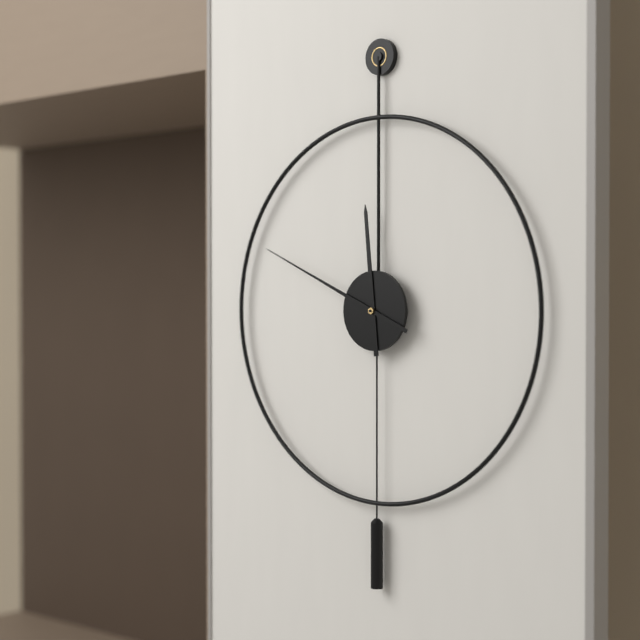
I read {"hour": 11, "minute": 49}
